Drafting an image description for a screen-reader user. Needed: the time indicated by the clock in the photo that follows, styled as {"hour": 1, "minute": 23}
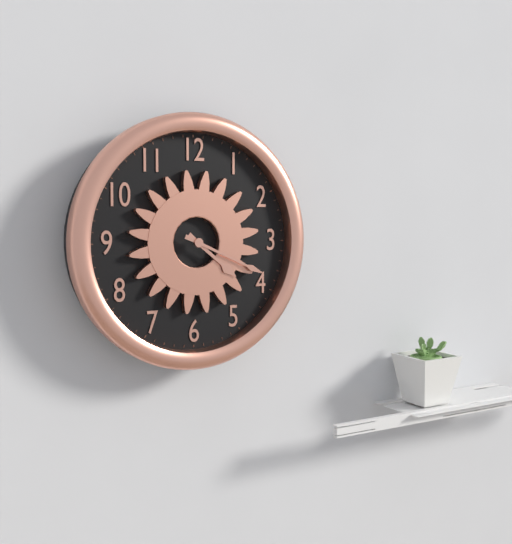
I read {"hour": 4, "minute": 19}
